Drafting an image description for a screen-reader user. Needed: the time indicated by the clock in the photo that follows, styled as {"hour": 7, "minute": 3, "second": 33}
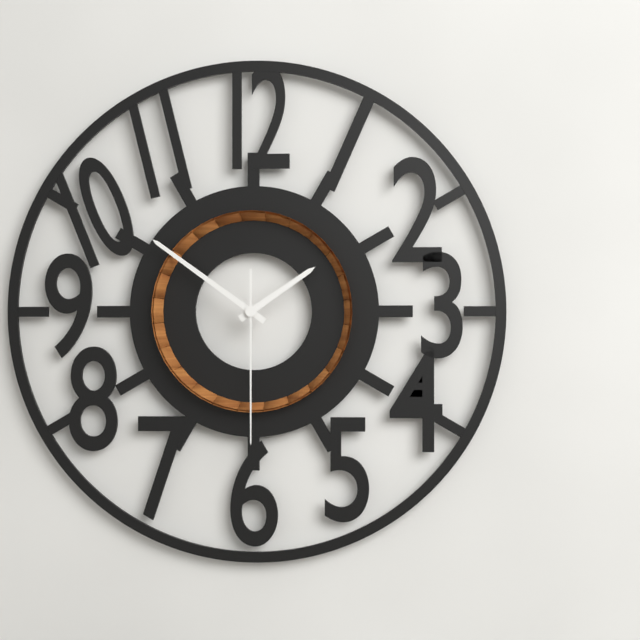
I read {"hour": 1, "minute": 51, "second": 30}
